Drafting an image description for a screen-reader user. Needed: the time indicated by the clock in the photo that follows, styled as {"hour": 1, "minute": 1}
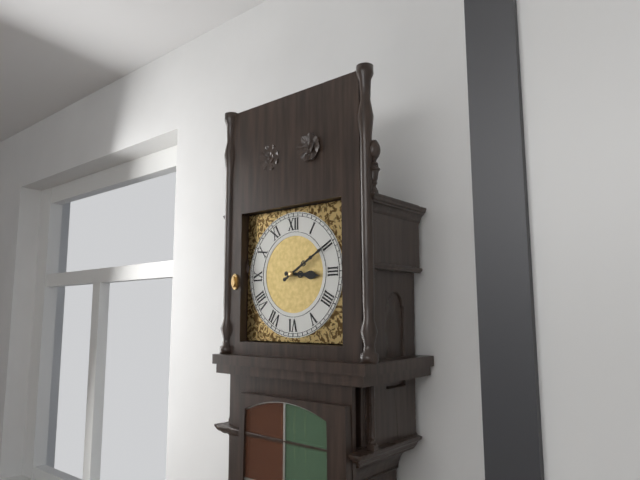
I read {"hour": 3, "minute": 10}
